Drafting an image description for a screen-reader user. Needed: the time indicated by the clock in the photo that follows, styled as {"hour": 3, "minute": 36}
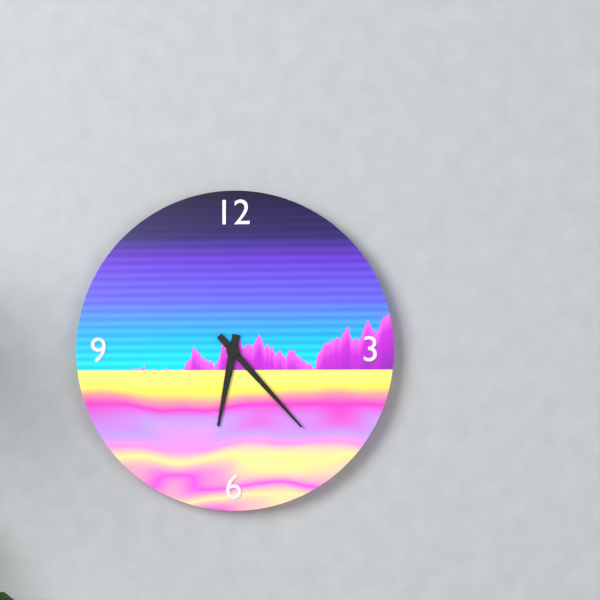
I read {"hour": 6, "minute": 23}
